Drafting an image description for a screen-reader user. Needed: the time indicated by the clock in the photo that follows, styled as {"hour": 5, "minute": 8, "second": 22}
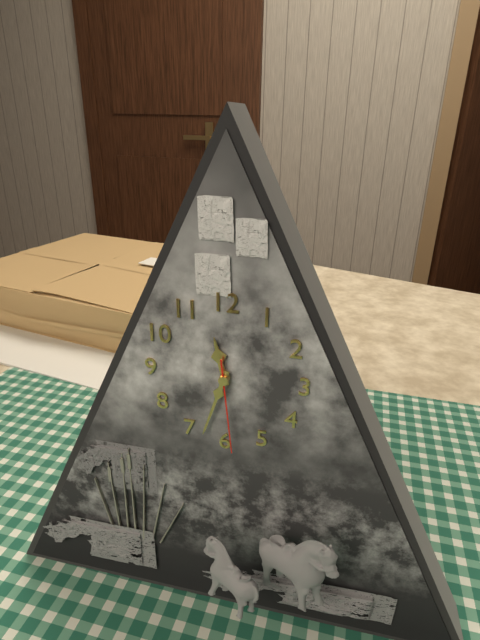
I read {"hour": 11, "minute": 33, "second": 29}
